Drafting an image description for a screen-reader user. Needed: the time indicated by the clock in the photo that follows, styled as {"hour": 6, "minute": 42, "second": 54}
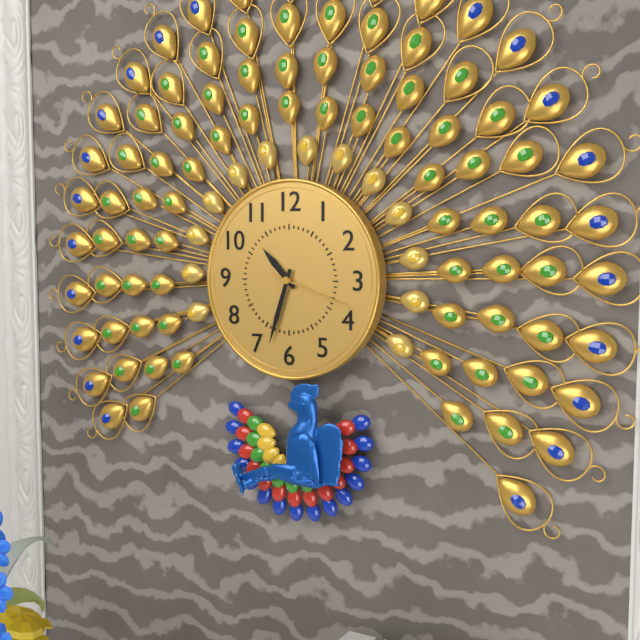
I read {"hour": 10, "minute": 33, "second": 18}
